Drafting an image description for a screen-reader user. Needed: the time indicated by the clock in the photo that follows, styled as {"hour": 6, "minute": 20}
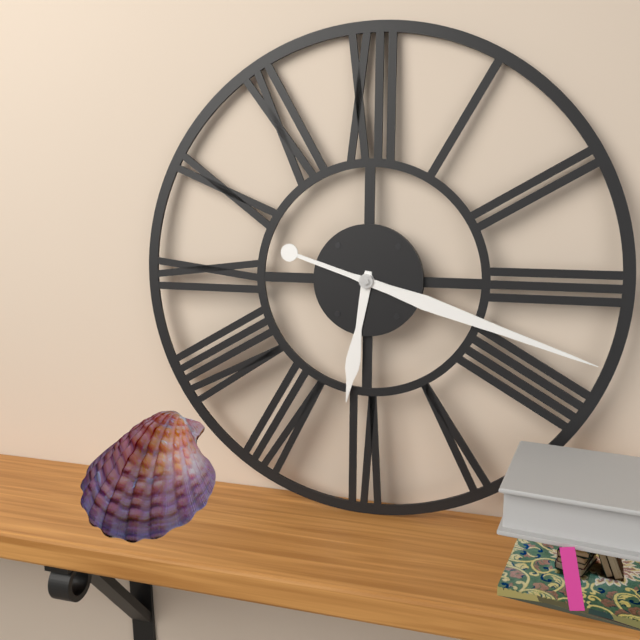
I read {"hour": 6, "minute": 18}
